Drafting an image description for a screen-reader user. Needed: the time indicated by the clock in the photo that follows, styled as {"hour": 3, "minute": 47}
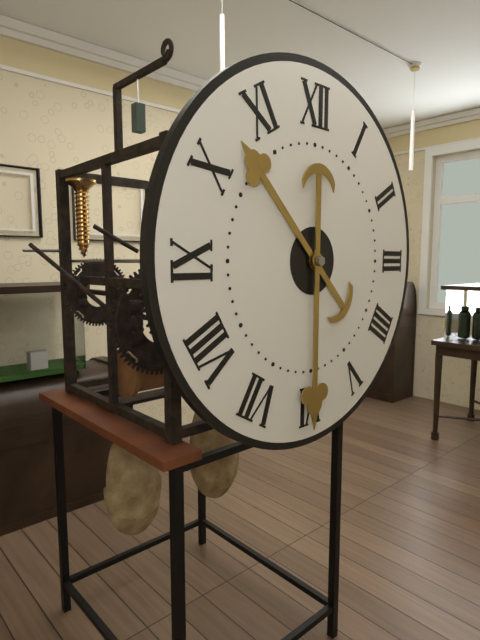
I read {"hour": 10, "minute": 30}
